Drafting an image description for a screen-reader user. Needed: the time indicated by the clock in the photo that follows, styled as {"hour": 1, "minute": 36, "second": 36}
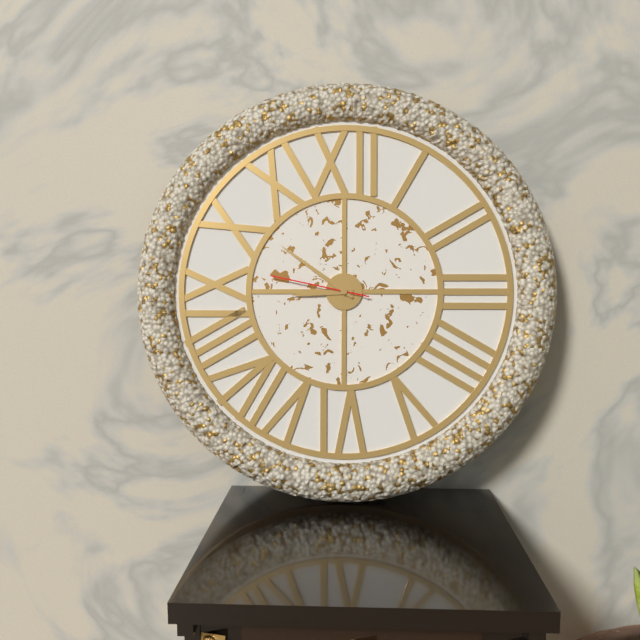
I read {"hour": 8, "minute": 51, "second": 47}
